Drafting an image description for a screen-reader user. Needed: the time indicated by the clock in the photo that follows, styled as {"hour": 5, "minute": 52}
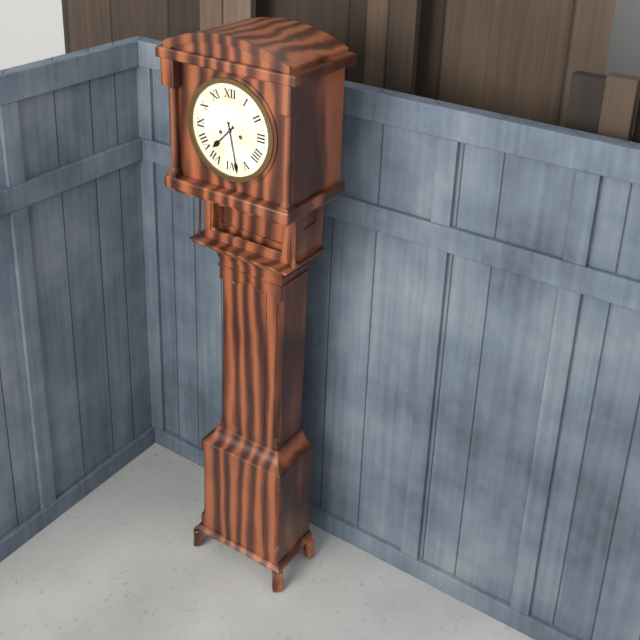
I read {"hour": 7, "minute": 28}
